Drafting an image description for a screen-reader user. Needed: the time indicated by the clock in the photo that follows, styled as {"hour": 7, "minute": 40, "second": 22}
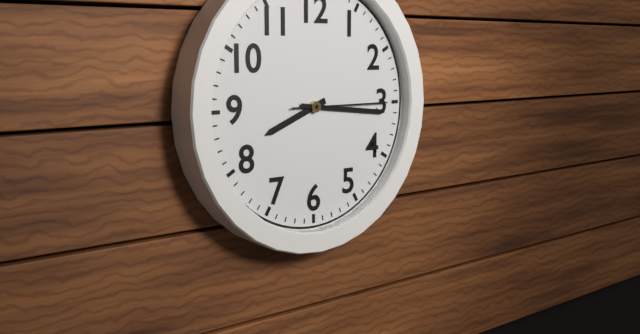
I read {"hour": 8, "minute": 16, "second": 15}
